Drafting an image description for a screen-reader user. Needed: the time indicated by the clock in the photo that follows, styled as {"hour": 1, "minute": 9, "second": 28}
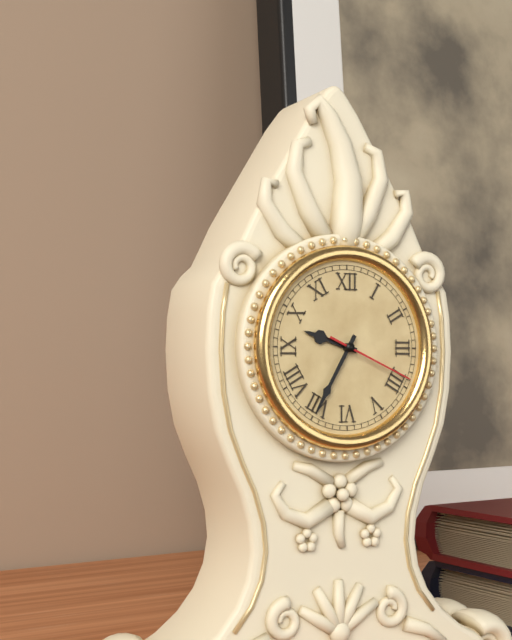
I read {"hour": 9, "minute": 35, "second": 19}
